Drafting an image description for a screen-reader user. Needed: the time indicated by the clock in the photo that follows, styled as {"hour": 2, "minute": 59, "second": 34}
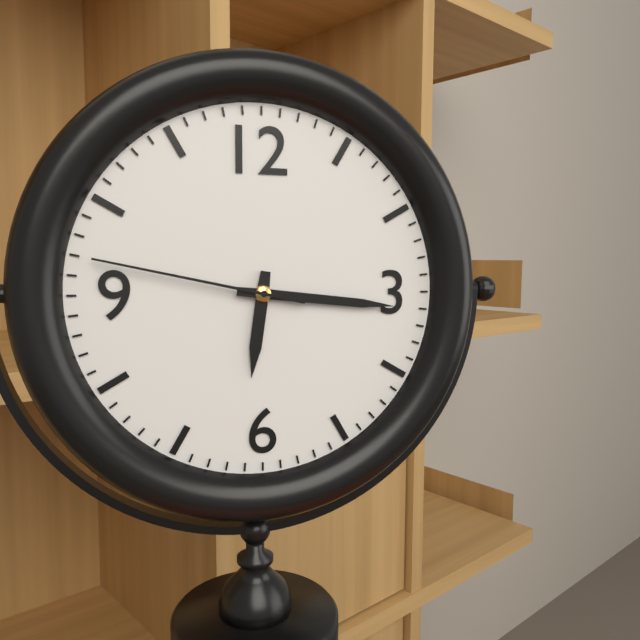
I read {"hour": 6, "minute": 16, "second": 47}
